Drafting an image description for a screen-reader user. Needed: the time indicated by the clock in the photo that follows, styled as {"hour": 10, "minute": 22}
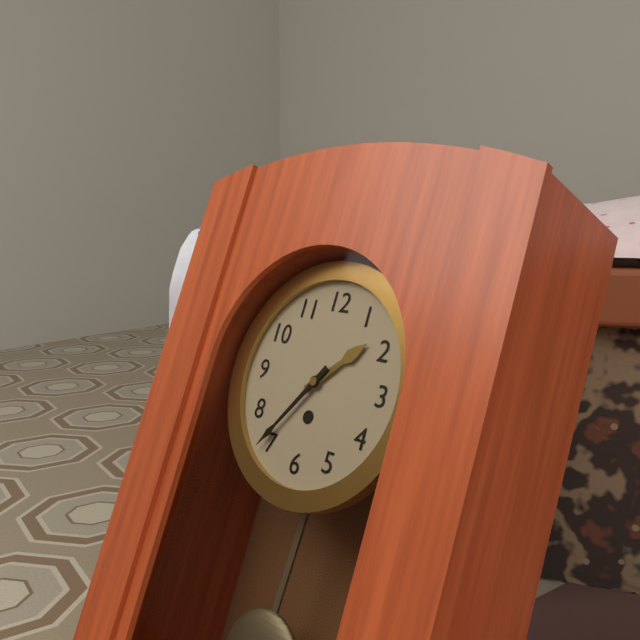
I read {"hour": 1, "minute": 36}
